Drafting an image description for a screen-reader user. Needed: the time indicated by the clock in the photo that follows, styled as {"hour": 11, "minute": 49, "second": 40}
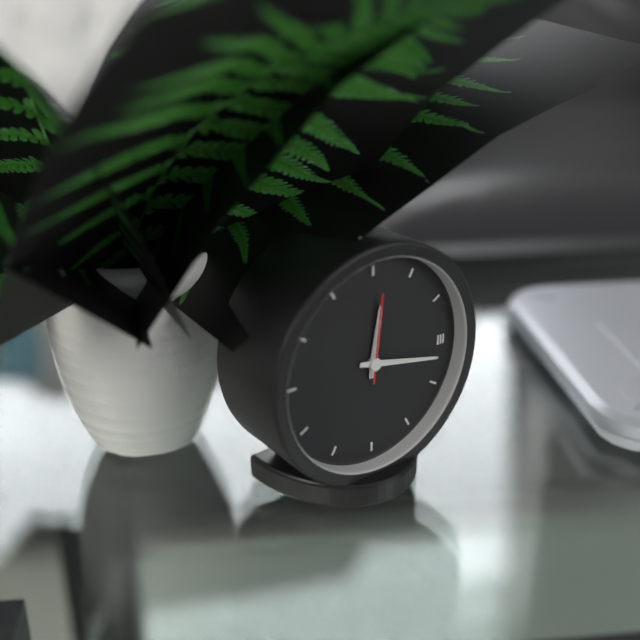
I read {"hour": 12, "minute": 17, "second": 1}
